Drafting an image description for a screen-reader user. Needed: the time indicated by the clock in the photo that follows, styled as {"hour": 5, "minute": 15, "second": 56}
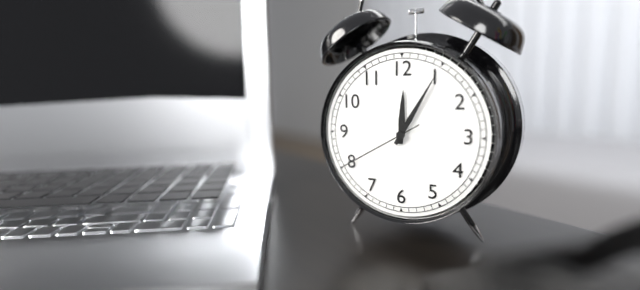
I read {"hour": 12, "minute": 5, "second": 40}
